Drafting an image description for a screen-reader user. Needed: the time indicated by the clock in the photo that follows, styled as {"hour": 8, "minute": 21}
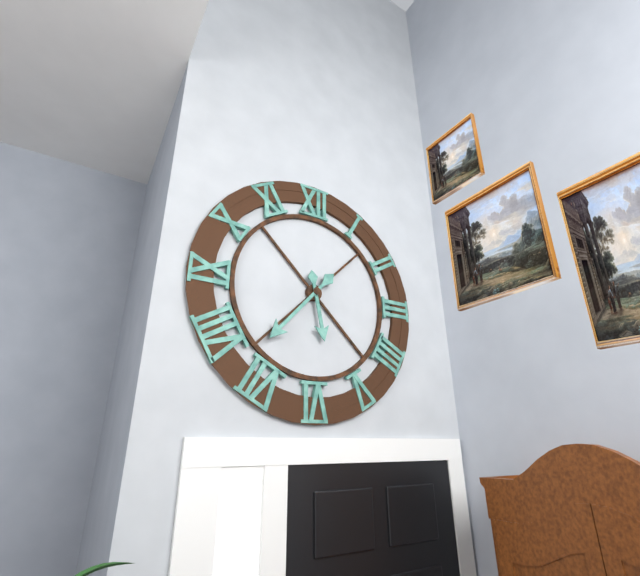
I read {"hour": 5, "minute": 37}
